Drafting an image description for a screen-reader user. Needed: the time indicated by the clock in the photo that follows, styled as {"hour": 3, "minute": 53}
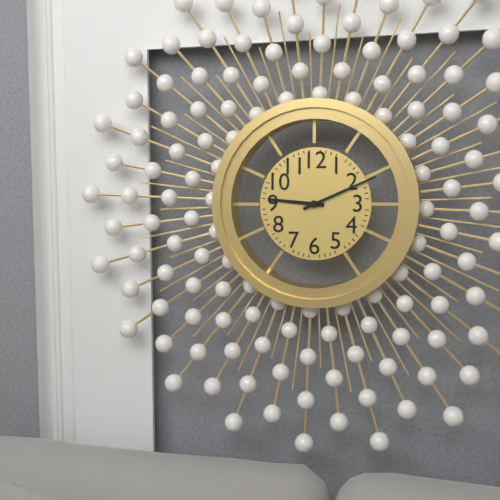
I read {"hour": 9, "minute": 11}
